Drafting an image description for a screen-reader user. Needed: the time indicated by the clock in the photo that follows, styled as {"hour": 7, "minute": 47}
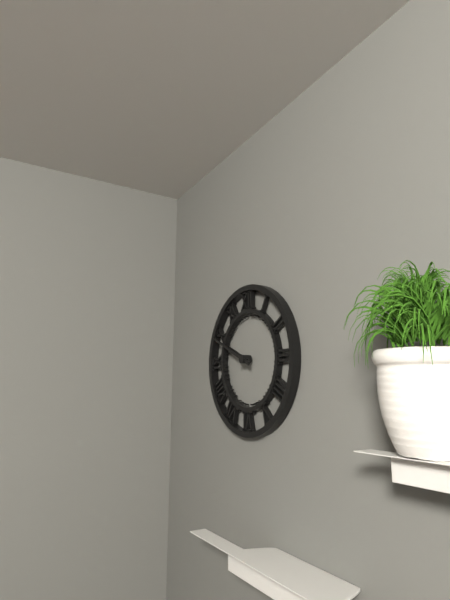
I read {"hour": 9, "minute": 49}
